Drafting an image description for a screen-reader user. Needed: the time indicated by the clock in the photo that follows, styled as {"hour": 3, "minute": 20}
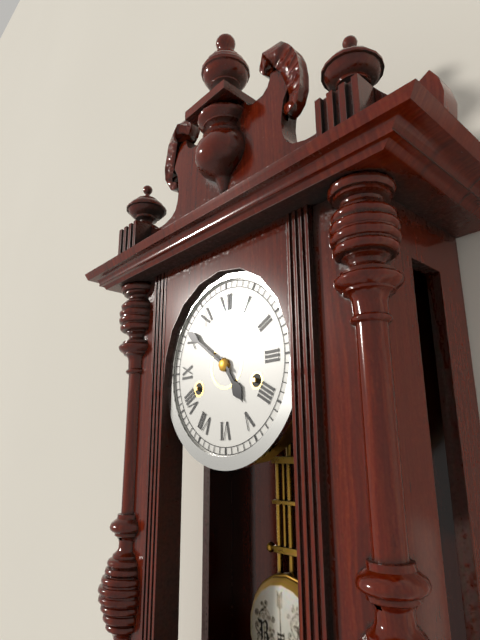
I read {"hour": 4, "minute": 51}
